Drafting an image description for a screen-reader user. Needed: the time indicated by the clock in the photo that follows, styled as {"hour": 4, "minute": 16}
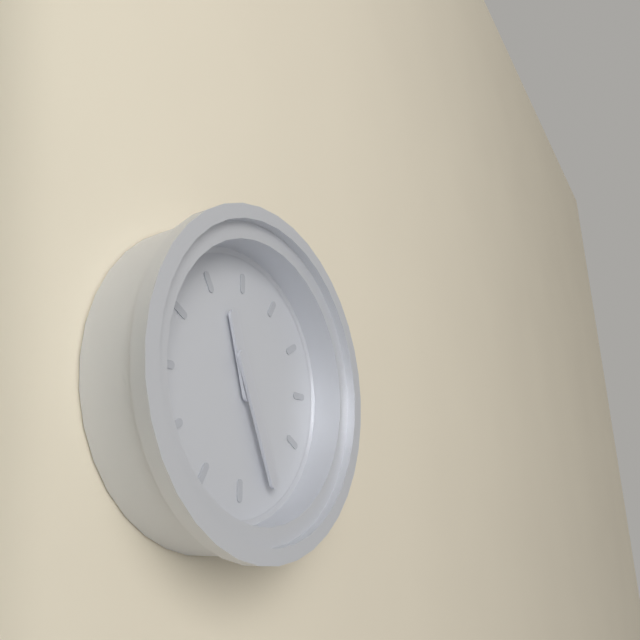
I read {"hour": 11, "minute": 26}
